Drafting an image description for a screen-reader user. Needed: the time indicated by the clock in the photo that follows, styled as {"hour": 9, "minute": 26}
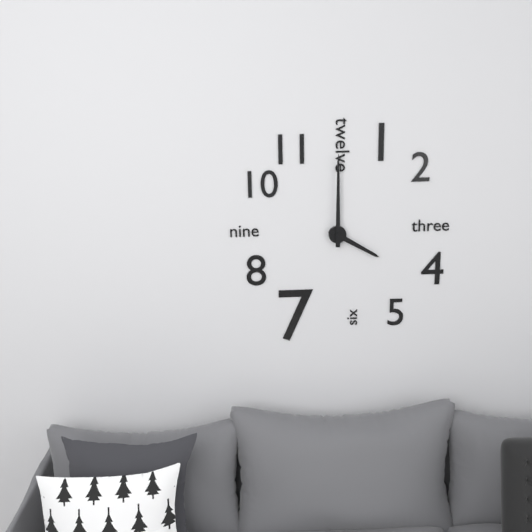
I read {"hour": 4, "minute": 0}
